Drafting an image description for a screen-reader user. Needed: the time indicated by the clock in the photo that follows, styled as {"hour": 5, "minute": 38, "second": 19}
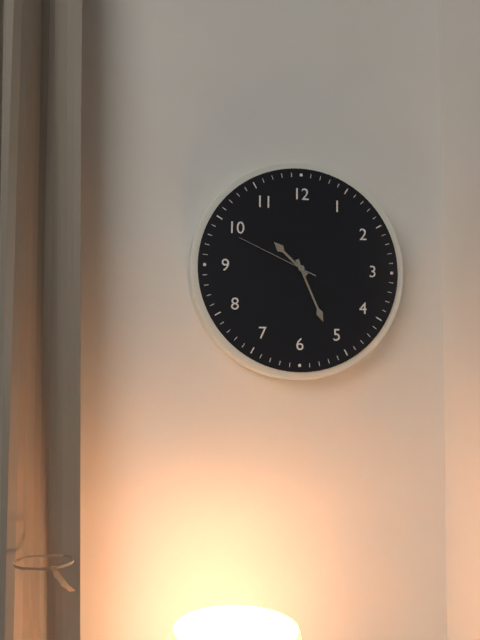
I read {"hour": 10, "minute": 26, "second": 49}
